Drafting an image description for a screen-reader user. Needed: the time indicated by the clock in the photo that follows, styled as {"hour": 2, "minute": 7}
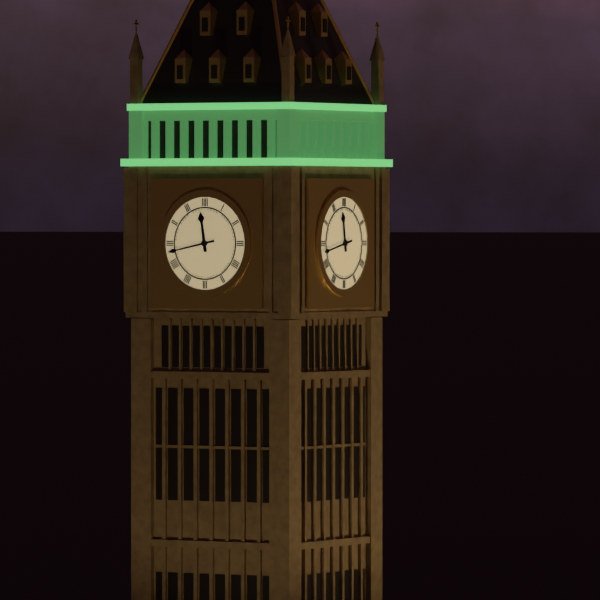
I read {"hour": 11, "minute": 43}
